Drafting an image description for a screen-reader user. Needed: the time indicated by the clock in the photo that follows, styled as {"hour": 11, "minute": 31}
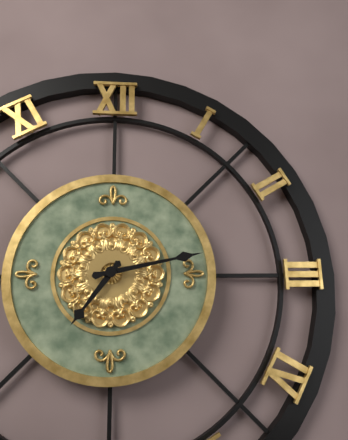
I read {"hour": 7, "minute": 13}
